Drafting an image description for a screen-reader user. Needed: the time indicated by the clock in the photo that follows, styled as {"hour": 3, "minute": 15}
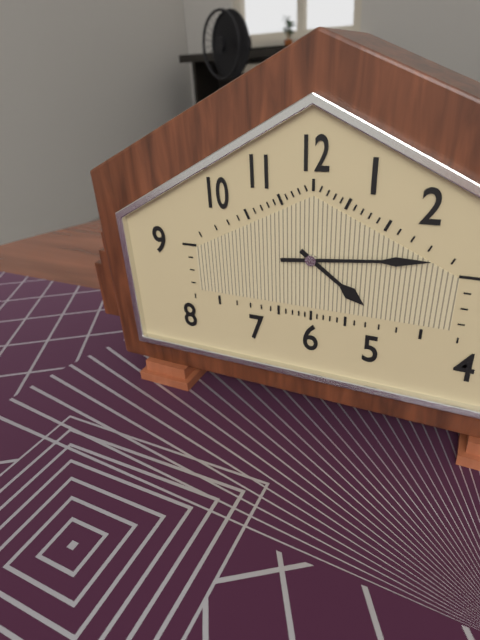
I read {"hour": 4, "minute": 14}
